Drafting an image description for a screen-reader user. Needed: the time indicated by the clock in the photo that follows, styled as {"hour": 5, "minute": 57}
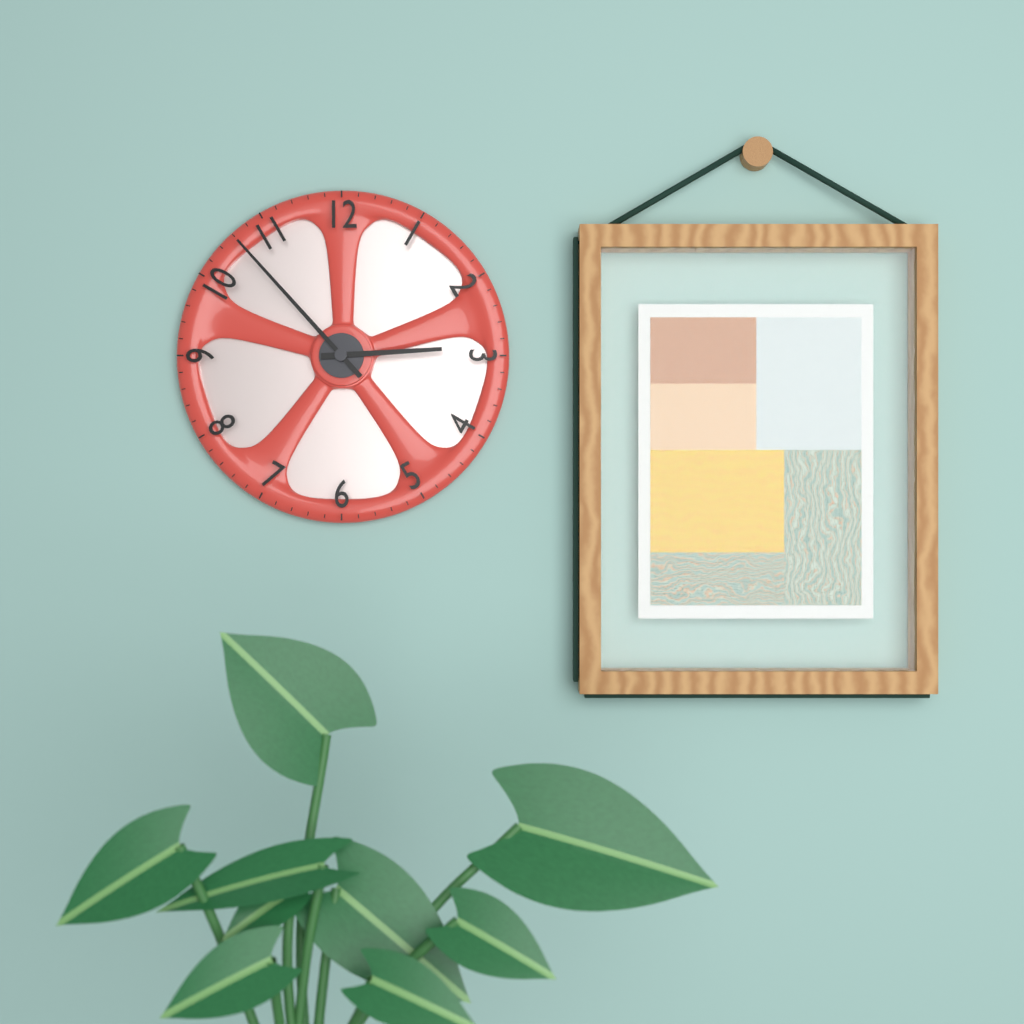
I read {"hour": 2, "minute": 53}
